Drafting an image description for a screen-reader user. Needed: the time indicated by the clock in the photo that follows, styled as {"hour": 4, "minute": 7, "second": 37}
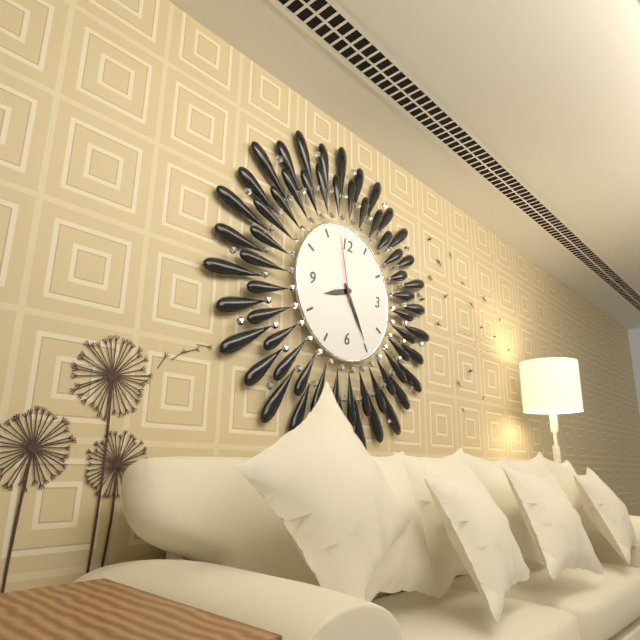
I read {"hour": 8, "minute": 25, "second": 58}
